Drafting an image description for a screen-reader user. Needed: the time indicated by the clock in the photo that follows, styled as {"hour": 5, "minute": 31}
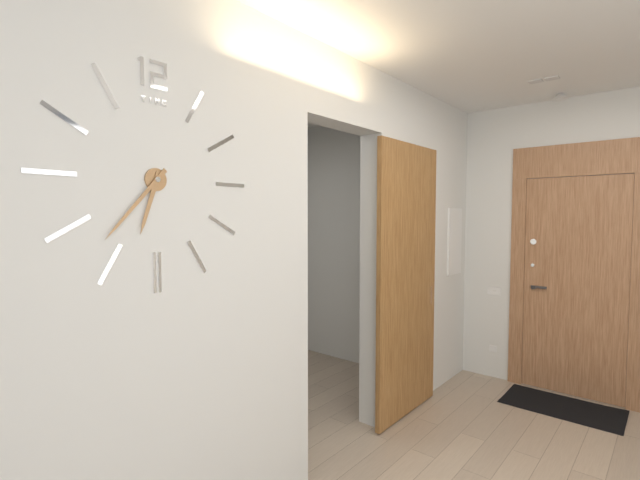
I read {"hour": 6, "minute": 37}
